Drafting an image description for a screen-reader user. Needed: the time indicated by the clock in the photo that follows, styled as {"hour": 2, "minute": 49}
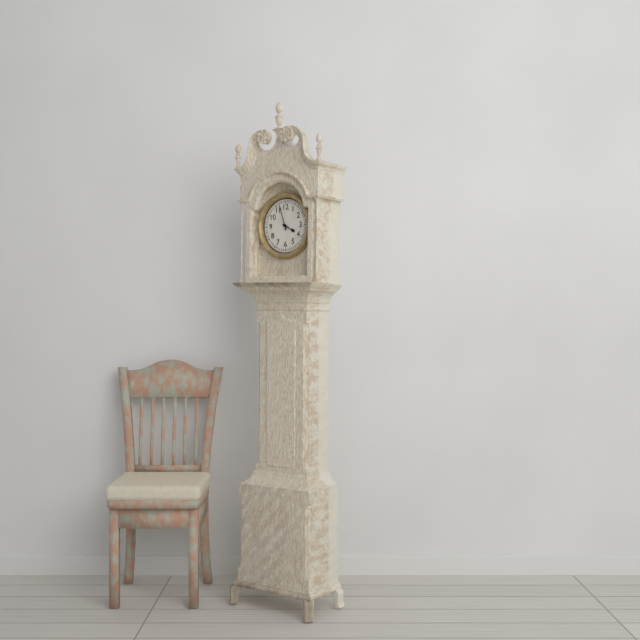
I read {"hour": 3, "minute": 57}
